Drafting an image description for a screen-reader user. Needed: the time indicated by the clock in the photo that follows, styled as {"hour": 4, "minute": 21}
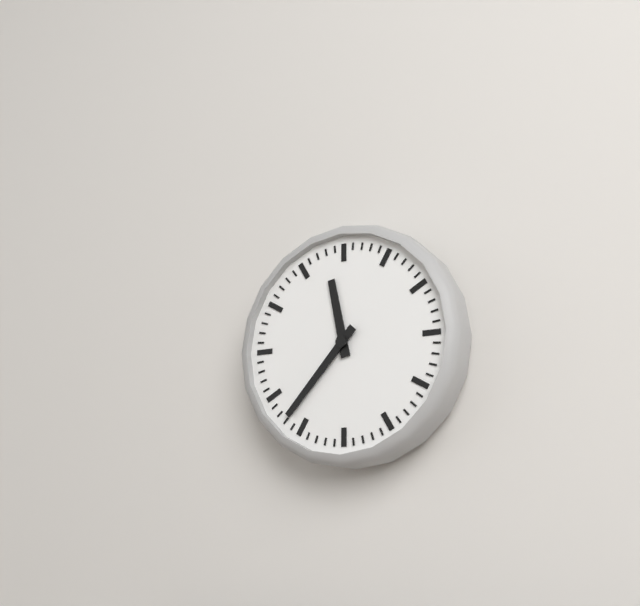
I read {"hour": 11, "minute": 37}
